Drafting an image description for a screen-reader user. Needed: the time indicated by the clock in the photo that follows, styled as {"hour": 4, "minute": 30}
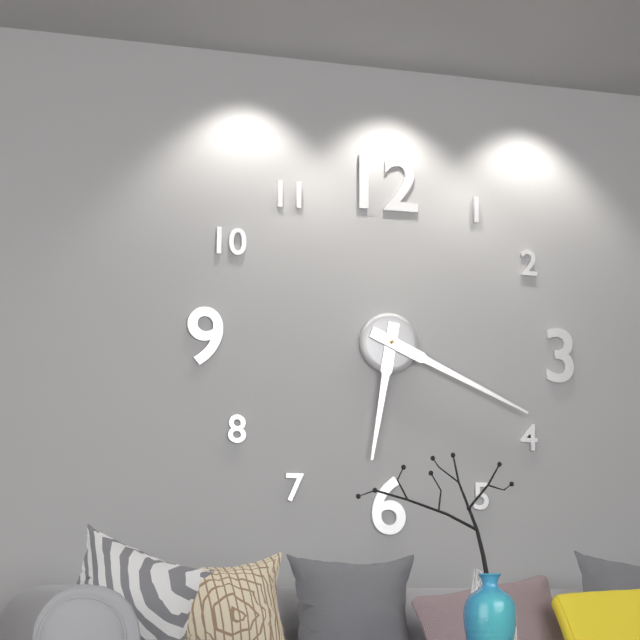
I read {"hour": 6, "minute": 19}
